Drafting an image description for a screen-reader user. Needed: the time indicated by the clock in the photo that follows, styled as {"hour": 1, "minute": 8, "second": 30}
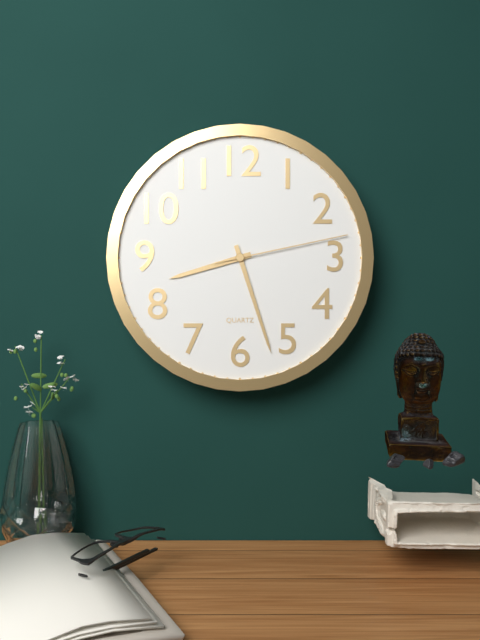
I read {"hour": 8, "minute": 27, "second": 13}
